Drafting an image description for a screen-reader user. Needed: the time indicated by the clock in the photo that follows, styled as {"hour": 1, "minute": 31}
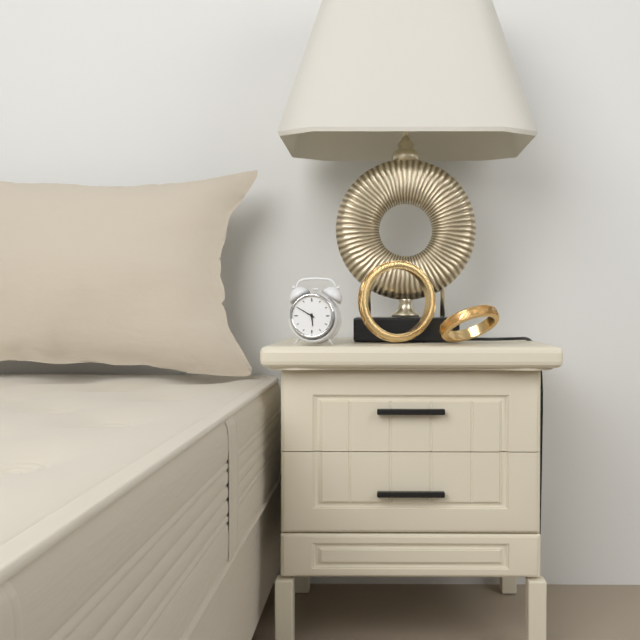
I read {"hour": 5, "minute": 50}
